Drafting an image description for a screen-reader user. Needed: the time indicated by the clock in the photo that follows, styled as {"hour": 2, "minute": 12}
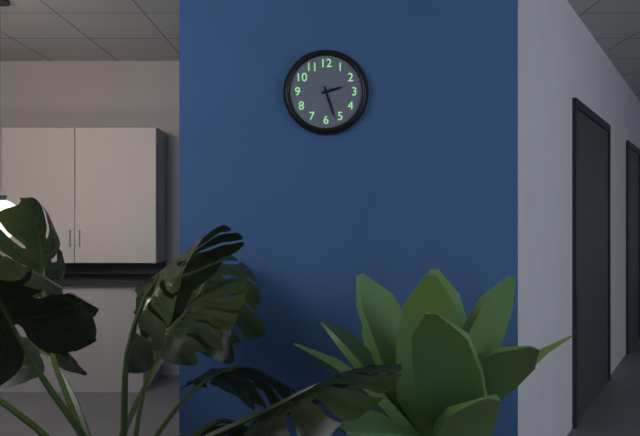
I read {"hour": 2, "minute": 27}
